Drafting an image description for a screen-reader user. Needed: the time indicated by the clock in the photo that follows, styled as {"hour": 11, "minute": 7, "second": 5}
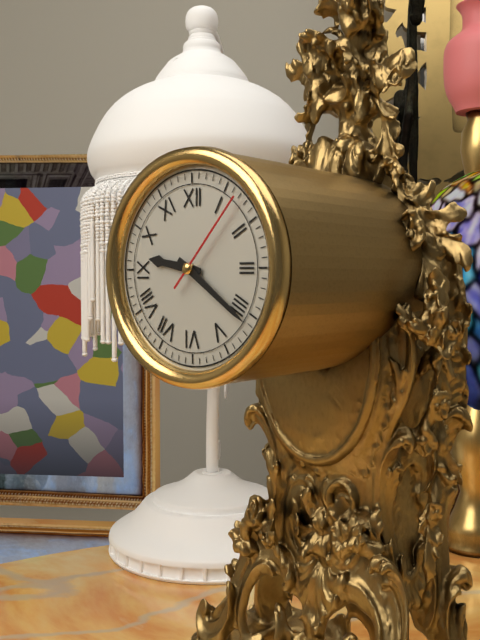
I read {"hour": 9, "minute": 21, "second": 7}
